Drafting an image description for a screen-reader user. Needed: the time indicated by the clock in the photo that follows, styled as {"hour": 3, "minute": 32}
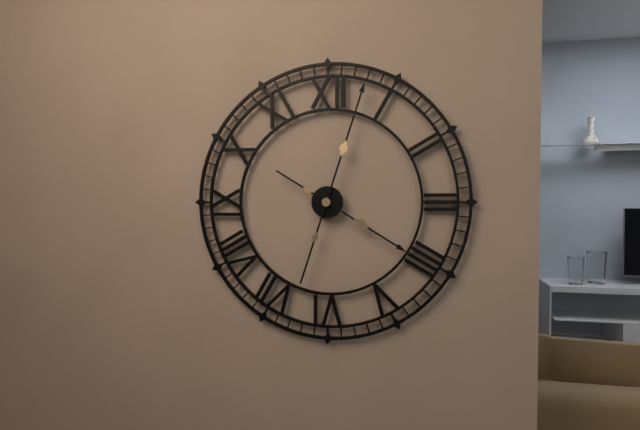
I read {"hour": 4, "minute": 3}
